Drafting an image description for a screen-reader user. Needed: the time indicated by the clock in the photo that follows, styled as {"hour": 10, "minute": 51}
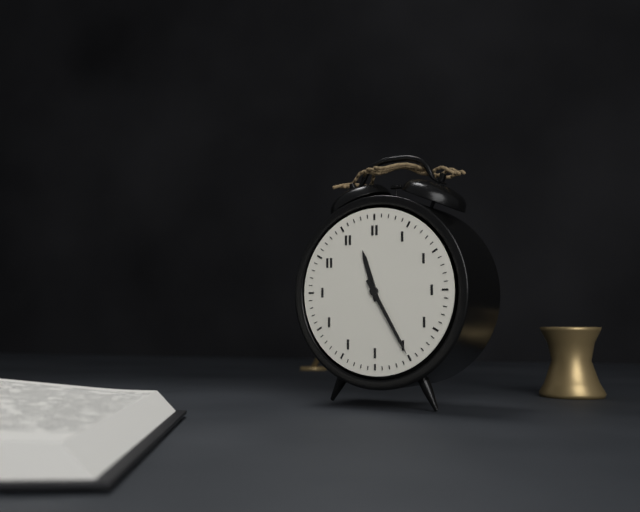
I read {"hour": 11, "minute": 25}
